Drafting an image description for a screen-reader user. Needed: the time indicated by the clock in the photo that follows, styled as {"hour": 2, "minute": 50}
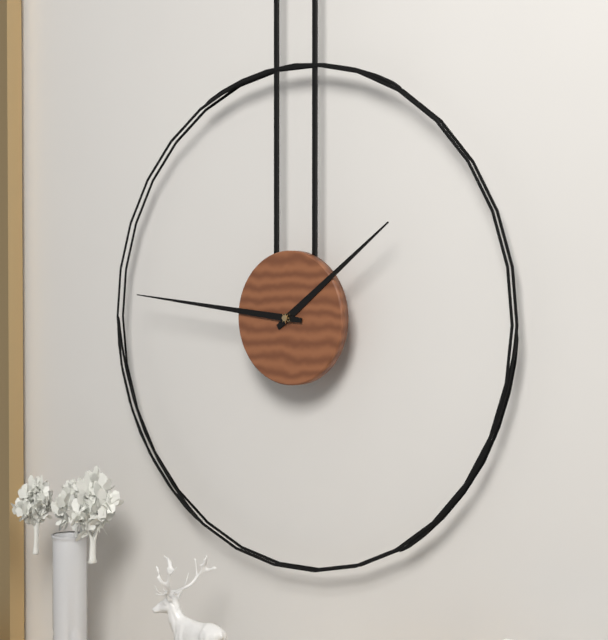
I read {"hour": 1, "minute": 46}
